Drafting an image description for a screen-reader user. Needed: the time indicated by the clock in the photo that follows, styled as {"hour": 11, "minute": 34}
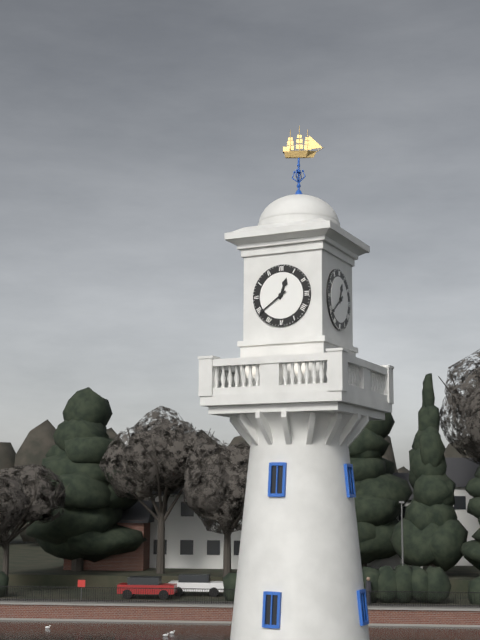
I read {"hour": 12, "minute": 39}
